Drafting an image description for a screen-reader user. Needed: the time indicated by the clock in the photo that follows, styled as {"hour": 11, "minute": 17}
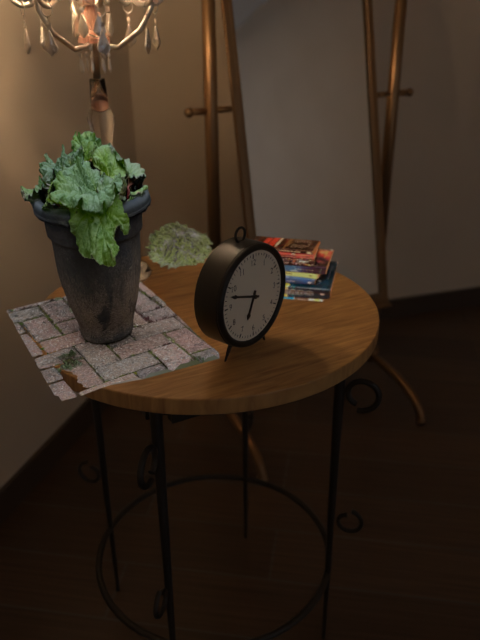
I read {"hour": 6, "minute": 48}
